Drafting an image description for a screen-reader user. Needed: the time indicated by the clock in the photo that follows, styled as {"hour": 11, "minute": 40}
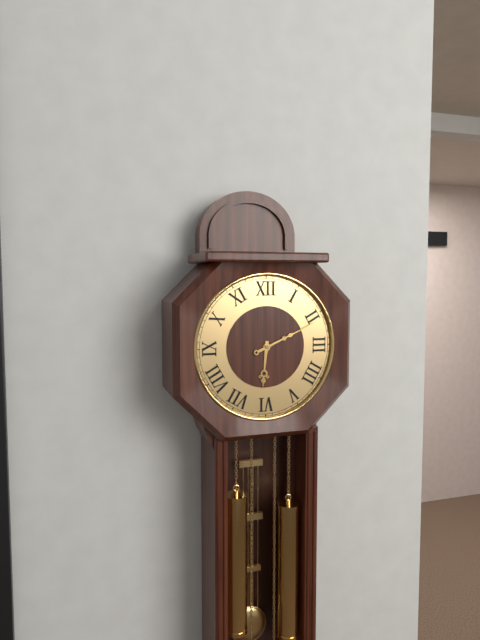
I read {"hour": 6, "minute": 11}
